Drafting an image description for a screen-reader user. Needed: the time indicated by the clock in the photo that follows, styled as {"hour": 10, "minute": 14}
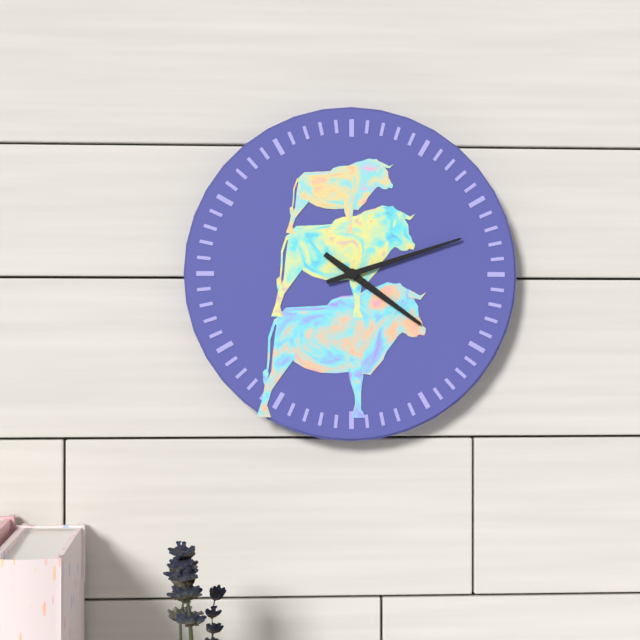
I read {"hour": 4, "minute": 12}
